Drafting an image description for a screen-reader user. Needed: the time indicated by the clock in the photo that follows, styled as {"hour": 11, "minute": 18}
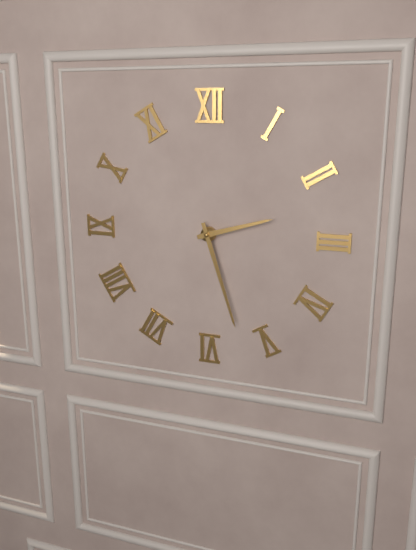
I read {"hour": 2, "minute": 27}
